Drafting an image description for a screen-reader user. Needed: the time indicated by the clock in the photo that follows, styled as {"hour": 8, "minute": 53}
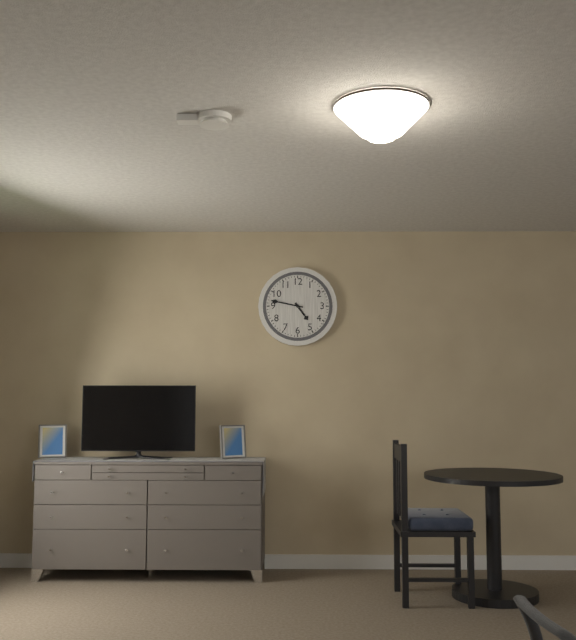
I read {"hour": 4, "minute": 47}
